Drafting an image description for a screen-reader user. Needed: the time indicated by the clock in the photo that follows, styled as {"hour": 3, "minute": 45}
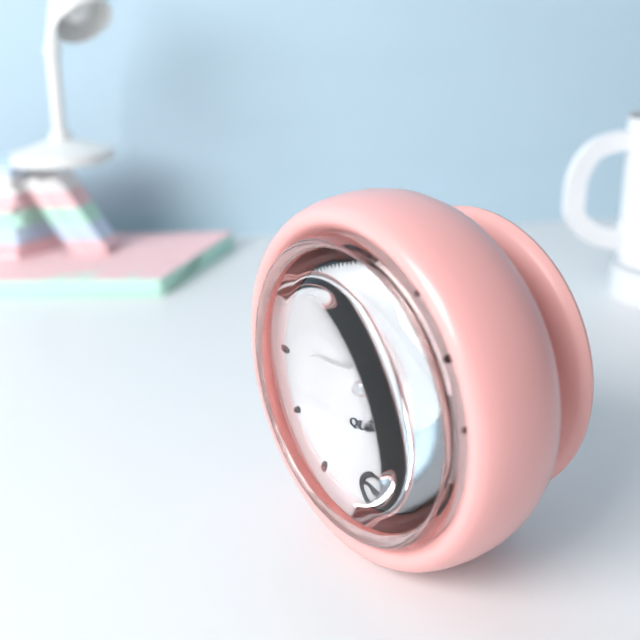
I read {"hour": 9, "minute": 10}
